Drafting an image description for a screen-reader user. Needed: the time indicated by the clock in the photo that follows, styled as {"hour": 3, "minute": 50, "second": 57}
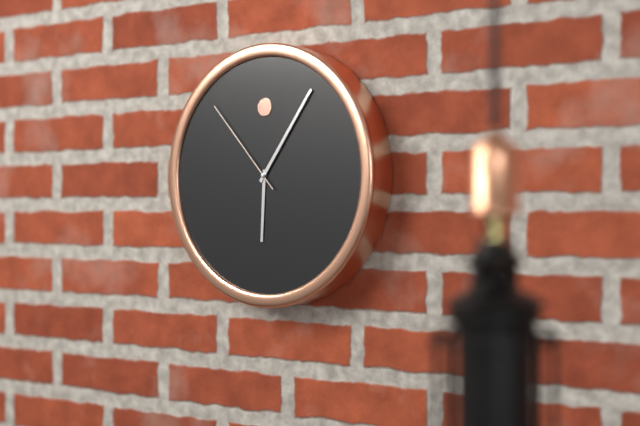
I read {"hour": 6, "minute": 6, "second": 53}
